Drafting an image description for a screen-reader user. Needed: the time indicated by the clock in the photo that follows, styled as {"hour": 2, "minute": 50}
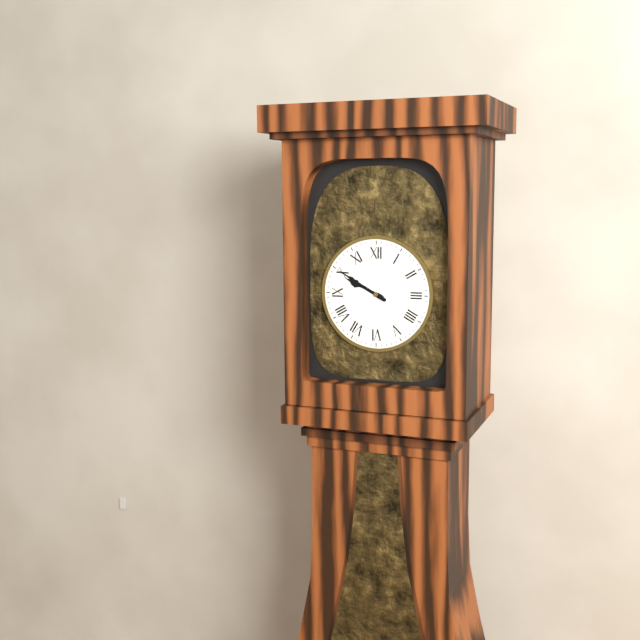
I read {"hour": 9, "minute": 50}
